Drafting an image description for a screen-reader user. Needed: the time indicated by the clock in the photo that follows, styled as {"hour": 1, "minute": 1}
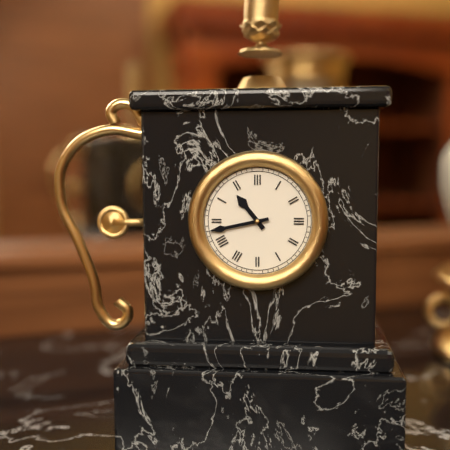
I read {"hour": 10, "minute": 43}
